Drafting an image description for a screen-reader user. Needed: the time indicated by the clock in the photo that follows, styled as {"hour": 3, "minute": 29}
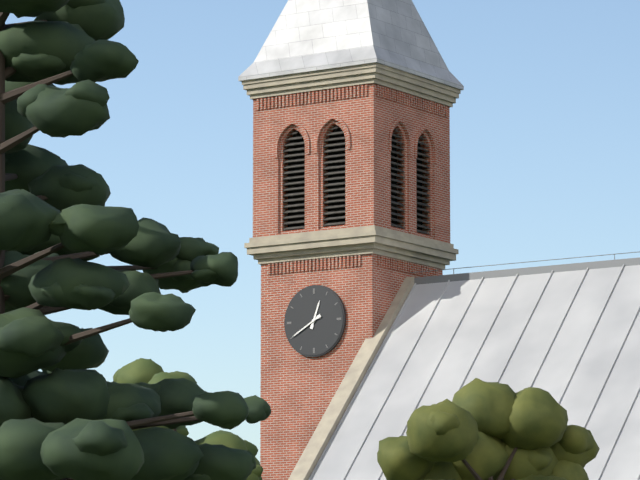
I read {"hour": 12, "minute": 40}
